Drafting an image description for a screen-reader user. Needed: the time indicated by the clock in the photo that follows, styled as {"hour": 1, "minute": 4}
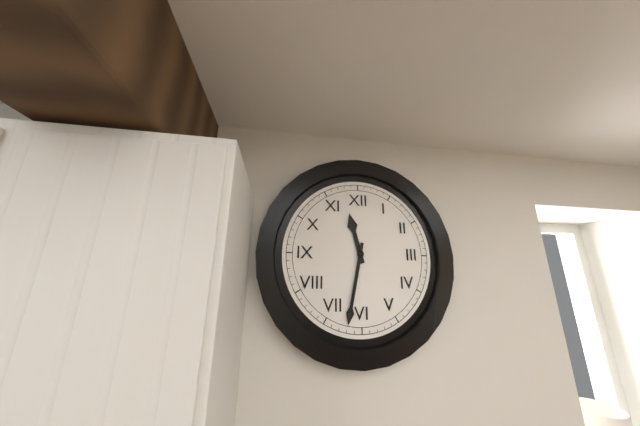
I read {"hour": 11, "minute": 32}
